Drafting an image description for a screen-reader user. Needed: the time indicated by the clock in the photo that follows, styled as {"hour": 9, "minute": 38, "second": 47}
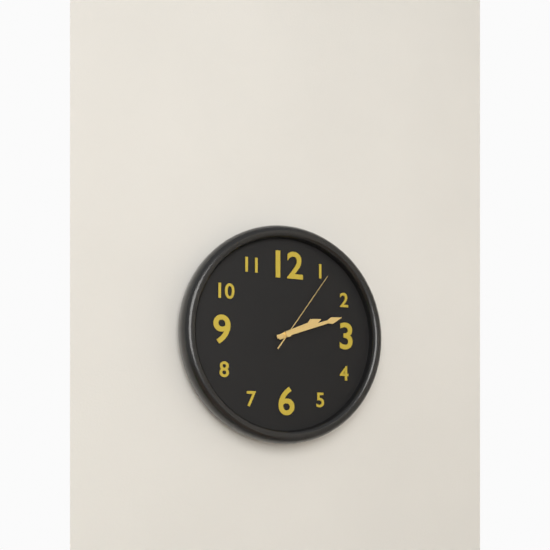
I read {"hour": 2, "minute": 12, "second": 6}
